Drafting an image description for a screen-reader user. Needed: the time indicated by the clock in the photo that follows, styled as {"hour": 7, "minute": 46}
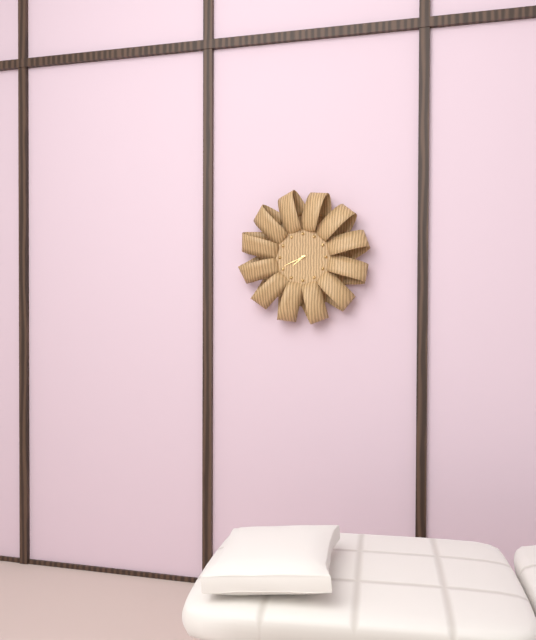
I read {"hour": 7, "minute": 41}
